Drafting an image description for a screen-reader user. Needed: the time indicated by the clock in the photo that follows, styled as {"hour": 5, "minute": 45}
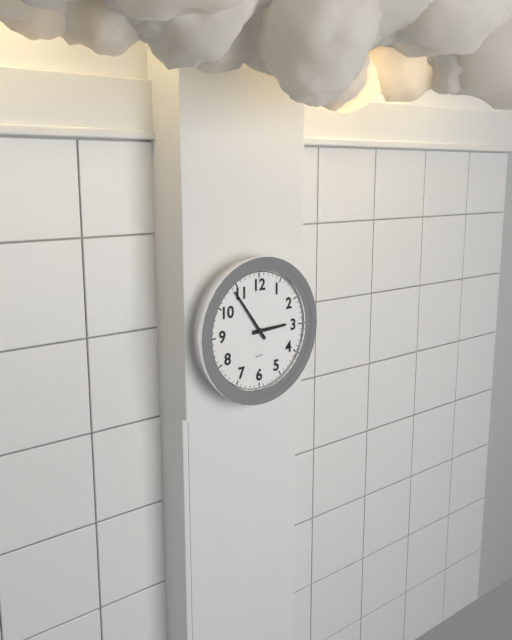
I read {"hour": 2, "minute": 54}
